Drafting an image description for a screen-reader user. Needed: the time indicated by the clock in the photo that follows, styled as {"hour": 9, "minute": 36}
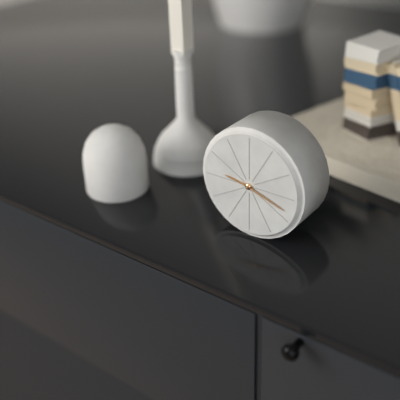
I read {"hour": 9, "minute": 18}
